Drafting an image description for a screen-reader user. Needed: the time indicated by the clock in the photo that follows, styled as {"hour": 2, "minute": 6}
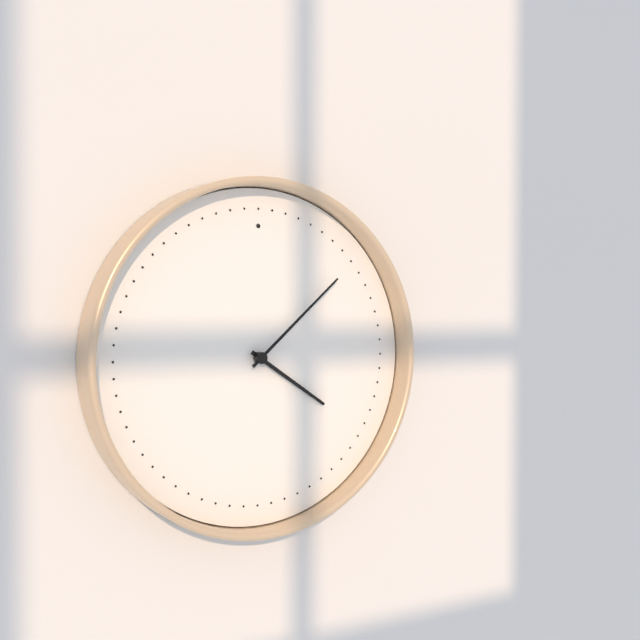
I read {"hour": 4, "minute": 8}
